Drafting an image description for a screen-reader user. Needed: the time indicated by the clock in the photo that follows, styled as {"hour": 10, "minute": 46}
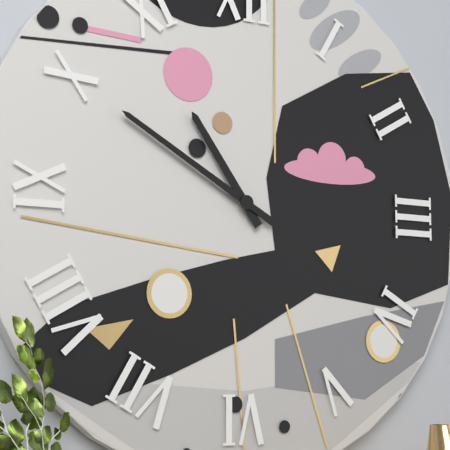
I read {"hour": 10, "minute": 50}
